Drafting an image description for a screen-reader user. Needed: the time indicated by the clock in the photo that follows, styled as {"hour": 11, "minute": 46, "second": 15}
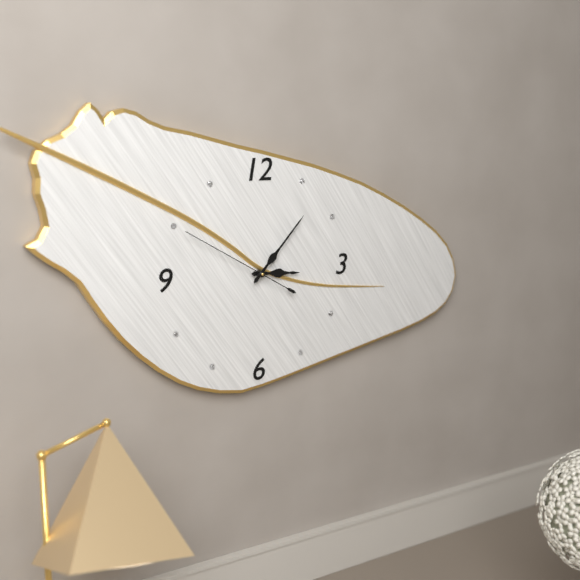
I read {"hour": 3, "minute": 7, "second": 50}
